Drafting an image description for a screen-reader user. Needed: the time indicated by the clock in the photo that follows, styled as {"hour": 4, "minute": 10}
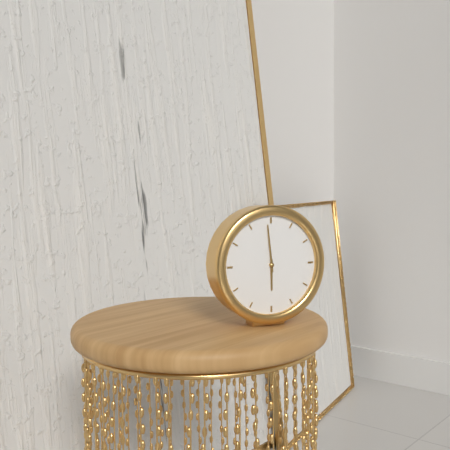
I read {"hour": 5, "minute": 59}
